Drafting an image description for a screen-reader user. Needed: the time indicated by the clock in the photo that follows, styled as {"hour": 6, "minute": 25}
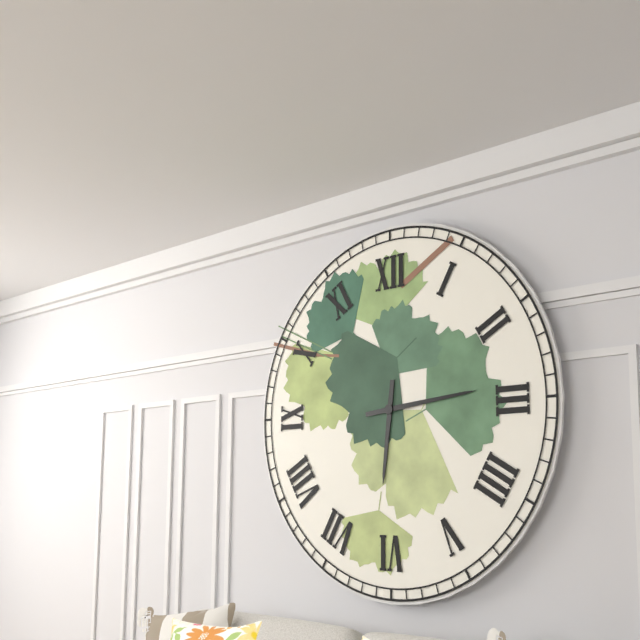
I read {"hour": 6, "minute": 14}
